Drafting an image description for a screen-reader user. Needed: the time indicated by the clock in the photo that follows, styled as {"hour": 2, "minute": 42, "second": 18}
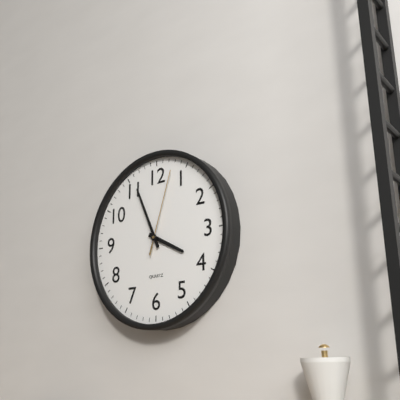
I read {"hour": 3, "minute": 56, "second": 3}
